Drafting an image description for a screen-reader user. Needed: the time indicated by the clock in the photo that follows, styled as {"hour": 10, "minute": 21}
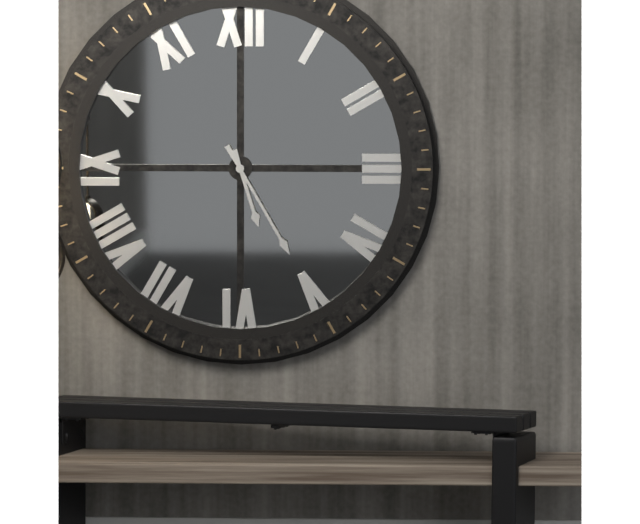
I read {"hour": 5, "minute": 25}
